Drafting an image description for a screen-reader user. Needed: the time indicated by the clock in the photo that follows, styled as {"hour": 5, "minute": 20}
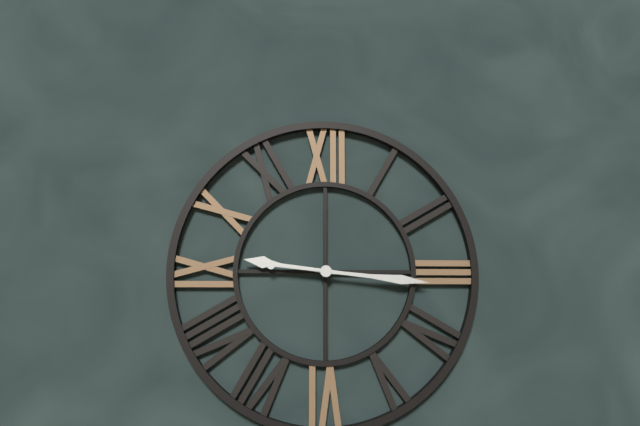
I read {"hour": 9, "minute": 16}
